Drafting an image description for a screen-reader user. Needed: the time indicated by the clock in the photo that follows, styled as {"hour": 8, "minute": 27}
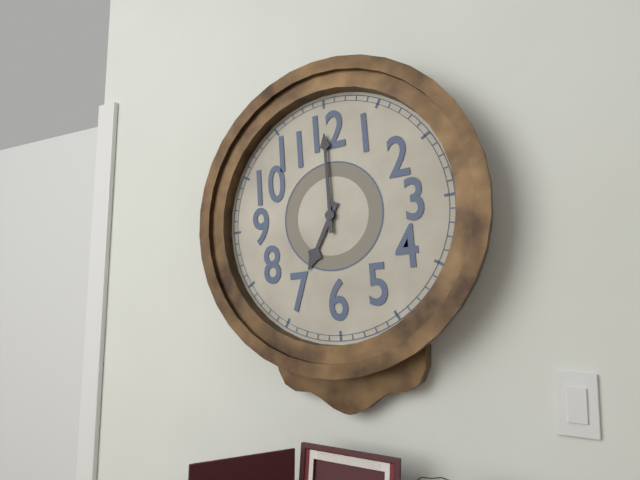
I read {"hour": 7, "minute": 0}
